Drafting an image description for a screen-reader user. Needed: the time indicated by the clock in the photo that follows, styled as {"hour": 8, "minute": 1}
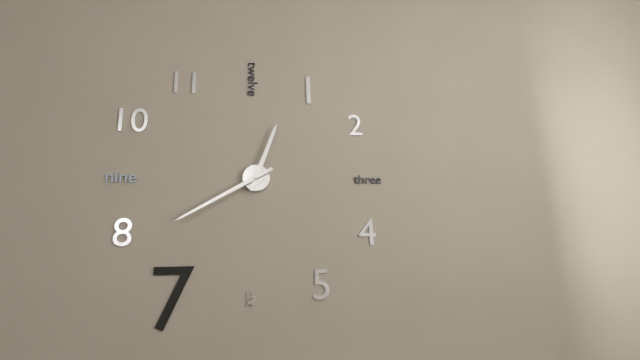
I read {"hour": 12, "minute": 40}
